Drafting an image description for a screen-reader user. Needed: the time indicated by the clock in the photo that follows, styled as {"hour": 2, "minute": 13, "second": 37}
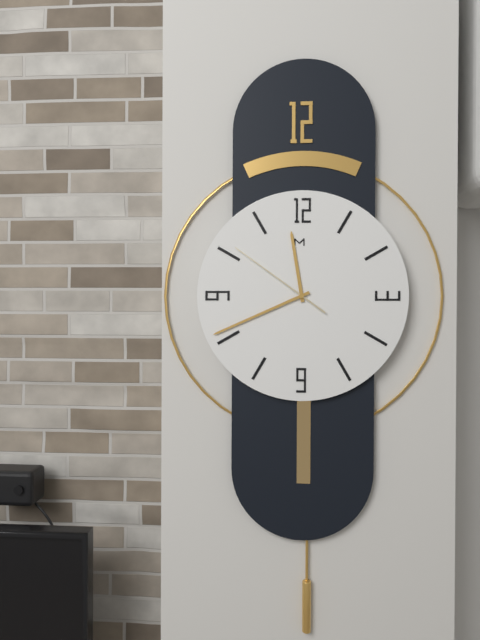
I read {"hour": 11, "minute": 41, "second": 51}
